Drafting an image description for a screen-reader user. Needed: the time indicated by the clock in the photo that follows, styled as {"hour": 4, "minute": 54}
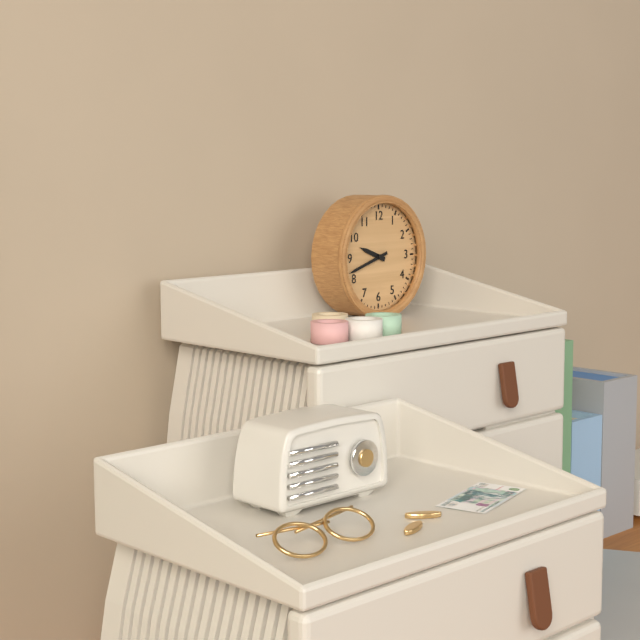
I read {"hour": 9, "minute": 42}
